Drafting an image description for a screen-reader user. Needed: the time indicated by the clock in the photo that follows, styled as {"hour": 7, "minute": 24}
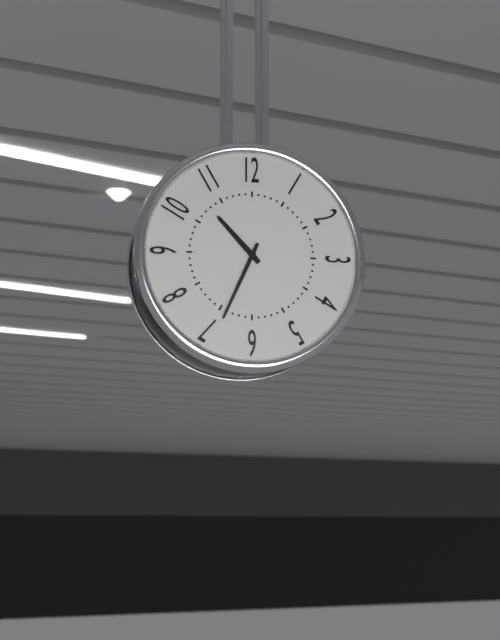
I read {"hour": 10, "minute": 34}
